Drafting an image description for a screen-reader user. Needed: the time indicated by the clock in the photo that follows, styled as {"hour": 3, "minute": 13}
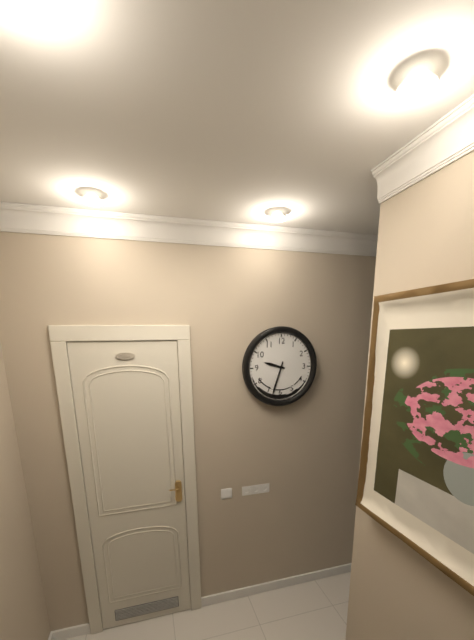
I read {"hour": 9, "minute": 33}
